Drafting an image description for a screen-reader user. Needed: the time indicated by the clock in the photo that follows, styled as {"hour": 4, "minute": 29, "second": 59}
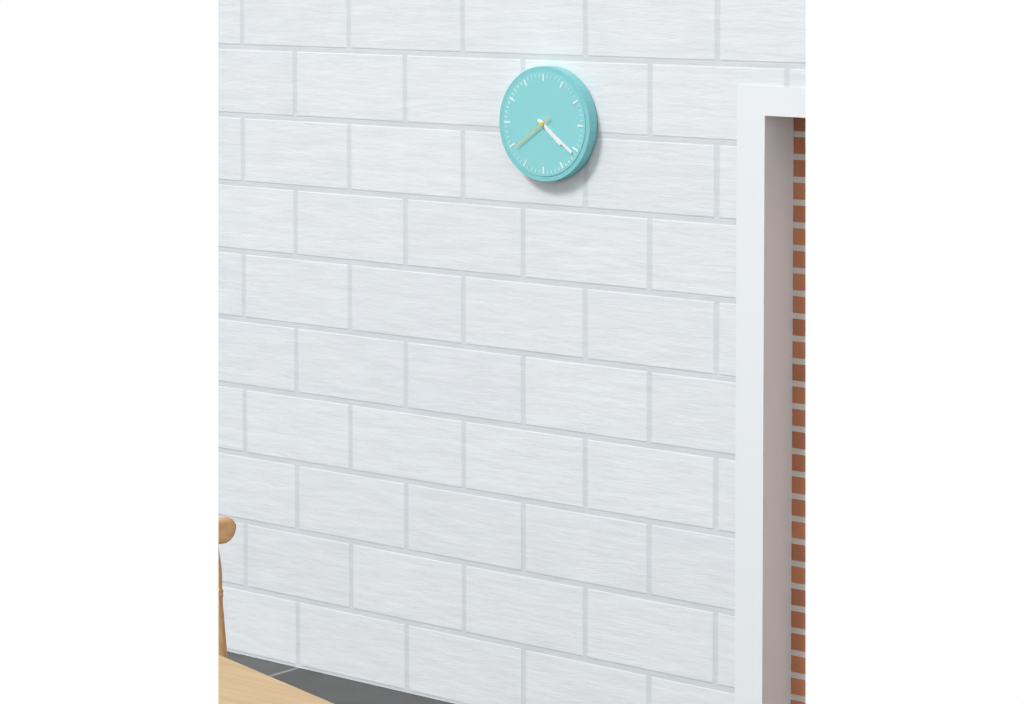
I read {"hour": 4, "minute": 21, "second": 39}
